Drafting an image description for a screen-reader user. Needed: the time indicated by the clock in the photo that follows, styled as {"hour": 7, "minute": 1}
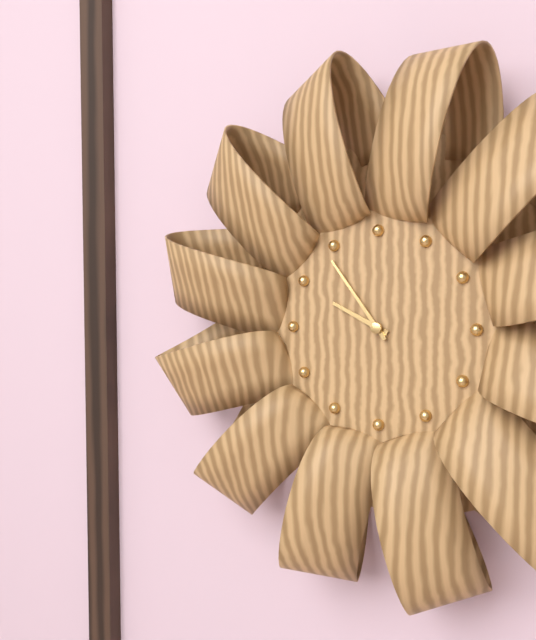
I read {"hour": 9, "minute": 54}
